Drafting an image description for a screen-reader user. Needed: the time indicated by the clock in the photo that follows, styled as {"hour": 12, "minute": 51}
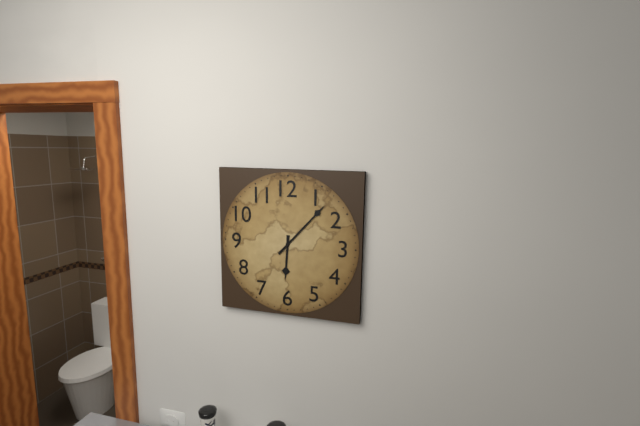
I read {"hour": 6, "minute": 7}
